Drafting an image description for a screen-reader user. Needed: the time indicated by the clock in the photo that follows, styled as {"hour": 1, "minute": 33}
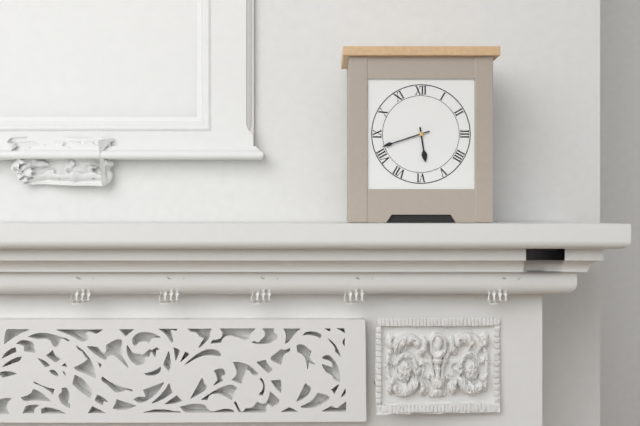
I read {"hour": 5, "minute": 42}
